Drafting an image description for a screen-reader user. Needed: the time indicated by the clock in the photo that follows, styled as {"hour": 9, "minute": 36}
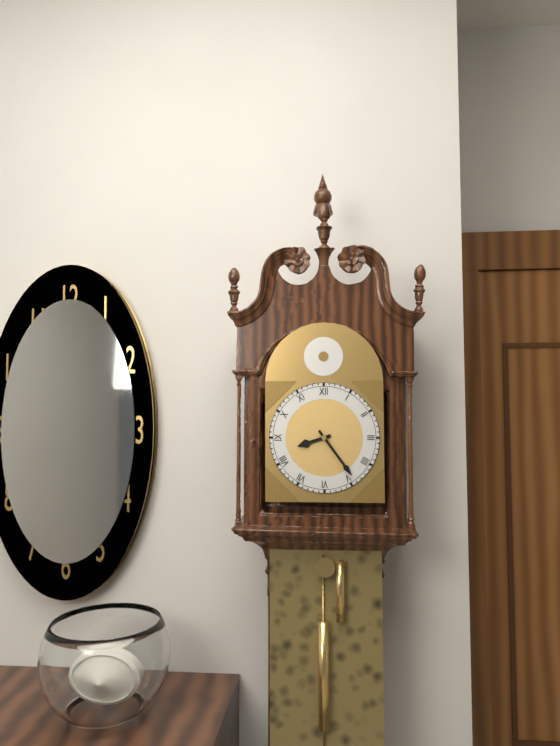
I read {"hour": 8, "minute": 24}
